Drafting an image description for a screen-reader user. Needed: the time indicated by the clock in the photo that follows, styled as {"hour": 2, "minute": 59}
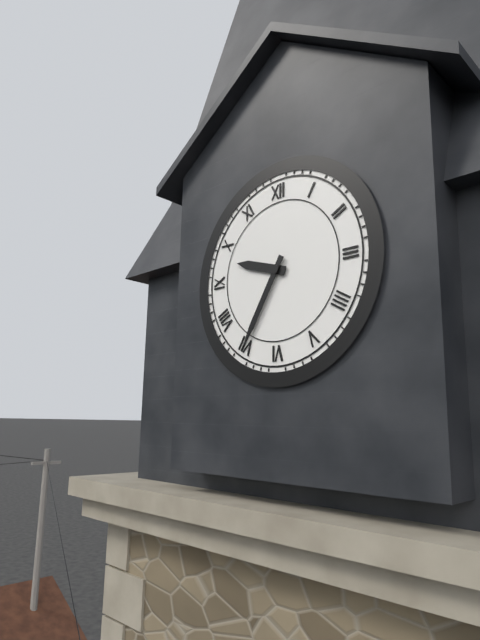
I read {"hour": 9, "minute": 35}
